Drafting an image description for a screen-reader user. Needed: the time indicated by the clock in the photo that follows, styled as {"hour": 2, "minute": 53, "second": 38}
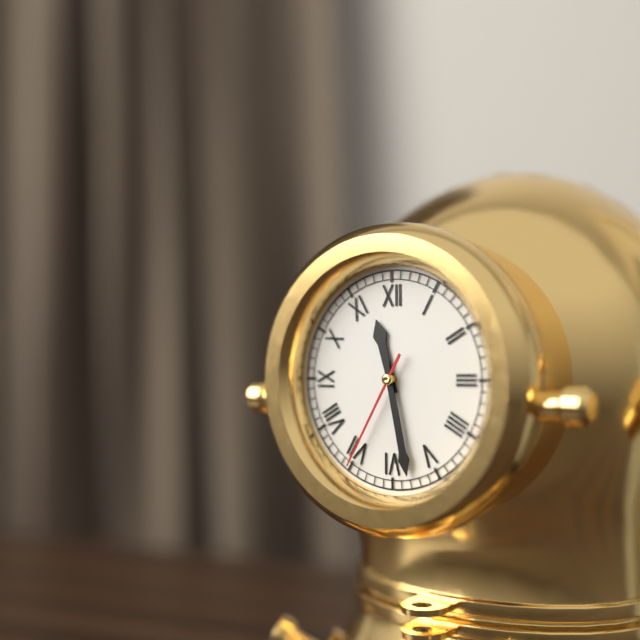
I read {"hour": 11, "minute": 28, "second": 35}
